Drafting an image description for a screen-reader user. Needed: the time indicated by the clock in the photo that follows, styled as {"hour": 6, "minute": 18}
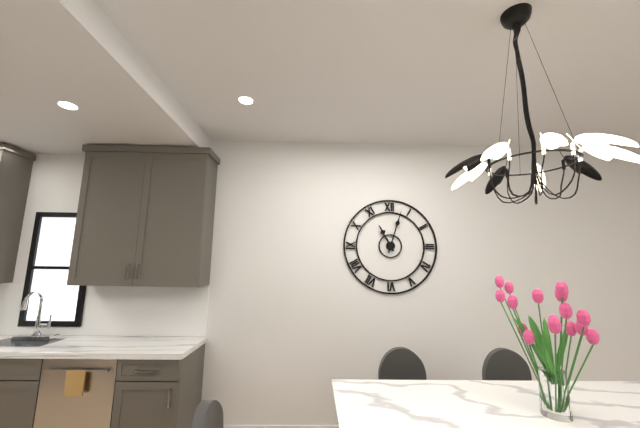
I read {"hour": 11, "minute": 3}
